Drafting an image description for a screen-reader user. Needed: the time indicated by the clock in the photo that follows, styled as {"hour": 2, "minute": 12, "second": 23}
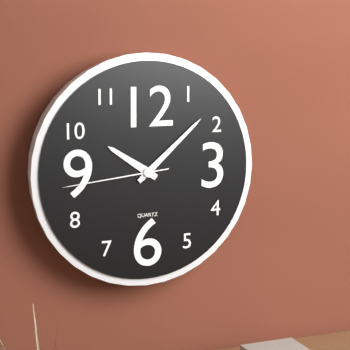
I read {"hour": 10, "minute": 8, "second": 44}
